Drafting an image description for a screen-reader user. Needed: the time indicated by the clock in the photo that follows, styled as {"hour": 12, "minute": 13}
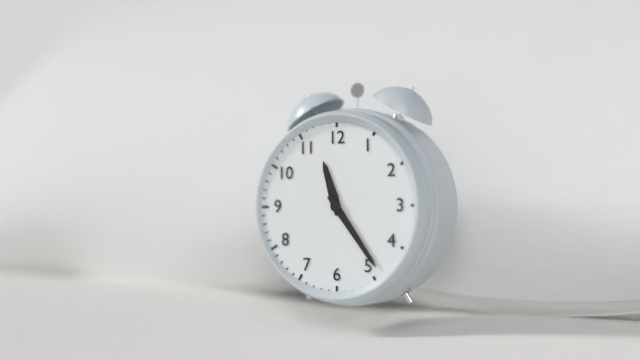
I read {"hour": 11, "minute": 24}
